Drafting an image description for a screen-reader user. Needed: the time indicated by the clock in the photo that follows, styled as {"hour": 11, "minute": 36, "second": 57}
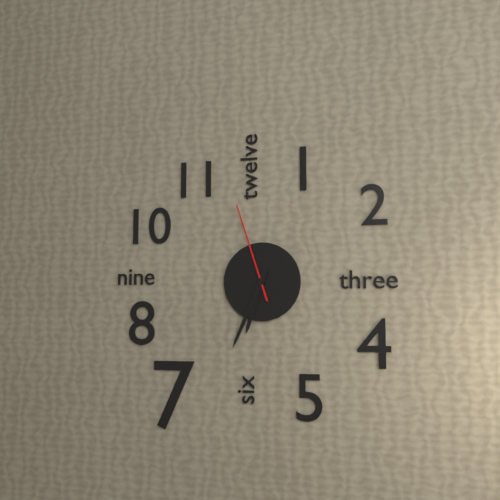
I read {"hour": 6, "minute": 34, "second": 57}
